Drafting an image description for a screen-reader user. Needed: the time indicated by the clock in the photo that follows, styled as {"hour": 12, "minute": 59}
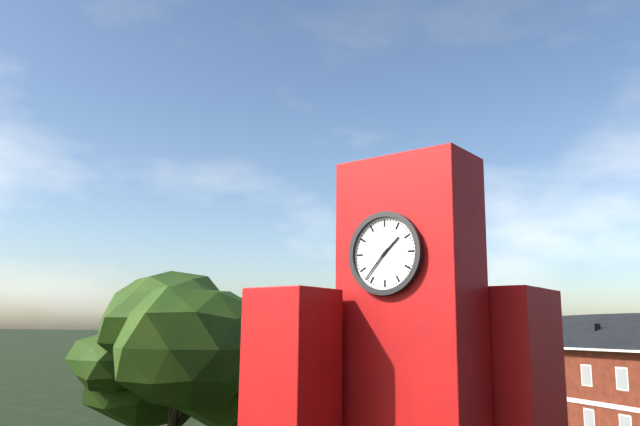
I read {"hour": 1, "minute": 37}
